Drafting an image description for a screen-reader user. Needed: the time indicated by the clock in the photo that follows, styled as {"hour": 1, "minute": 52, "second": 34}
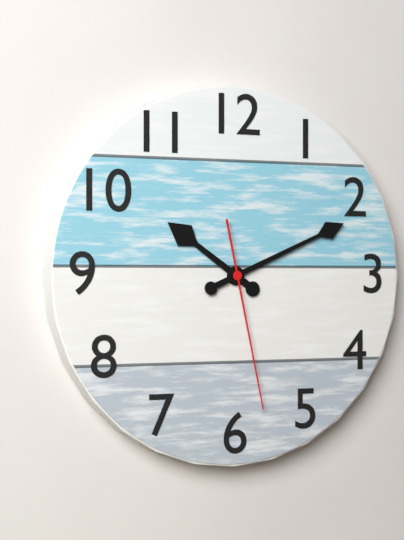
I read {"hour": 10, "minute": 11, "second": 28}
